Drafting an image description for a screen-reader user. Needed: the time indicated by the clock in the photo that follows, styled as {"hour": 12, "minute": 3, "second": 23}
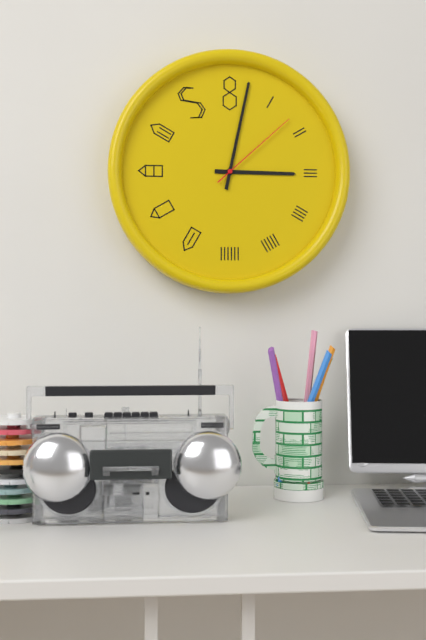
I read {"hour": 3, "minute": 2, "second": 8}
